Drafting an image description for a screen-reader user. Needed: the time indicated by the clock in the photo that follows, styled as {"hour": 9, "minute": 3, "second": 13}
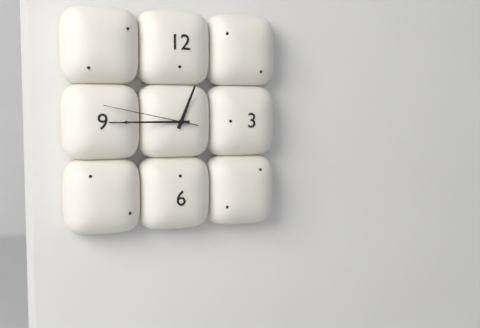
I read {"hour": 12, "minute": 45, "second": 47}
